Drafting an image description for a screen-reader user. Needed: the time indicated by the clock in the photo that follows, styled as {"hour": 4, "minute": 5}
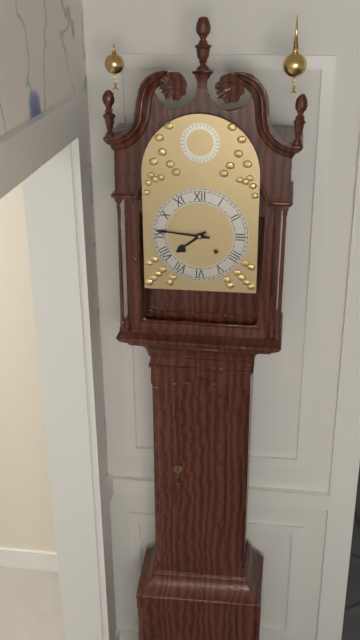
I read {"hour": 7, "minute": 46}
